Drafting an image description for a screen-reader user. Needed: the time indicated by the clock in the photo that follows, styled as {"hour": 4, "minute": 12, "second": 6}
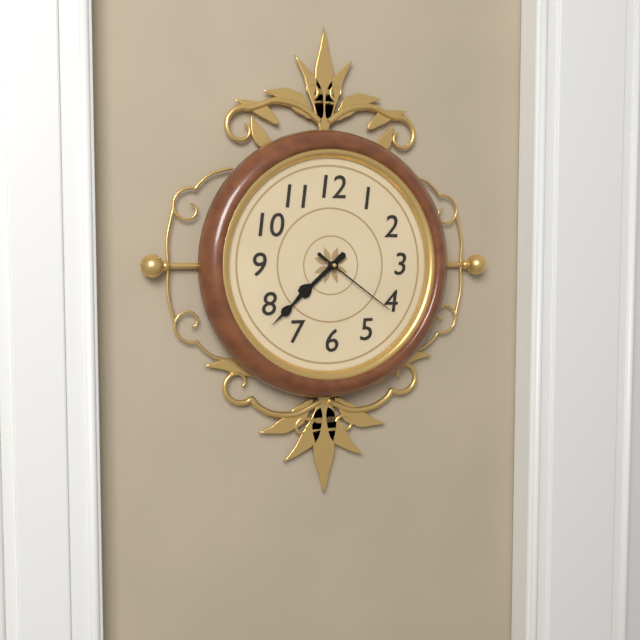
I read {"hour": 7, "minute": 38, "second": 21}
